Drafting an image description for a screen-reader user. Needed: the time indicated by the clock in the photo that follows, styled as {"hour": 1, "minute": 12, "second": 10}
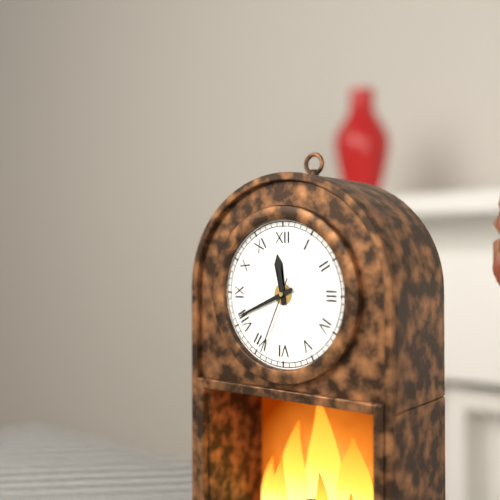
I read {"hour": 11, "minute": 41, "second": 34}
